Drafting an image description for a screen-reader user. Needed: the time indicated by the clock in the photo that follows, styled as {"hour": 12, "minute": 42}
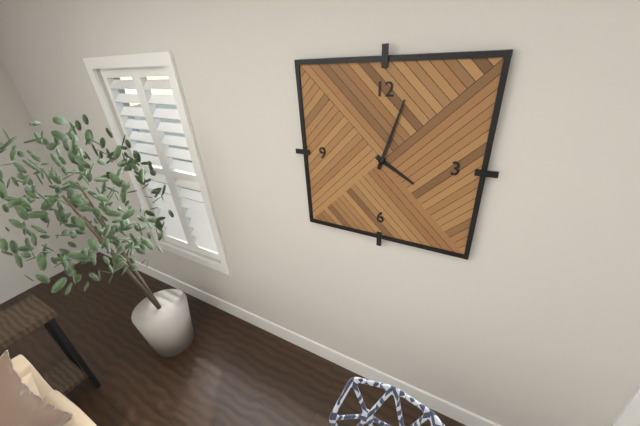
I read {"hour": 4, "minute": 3}
